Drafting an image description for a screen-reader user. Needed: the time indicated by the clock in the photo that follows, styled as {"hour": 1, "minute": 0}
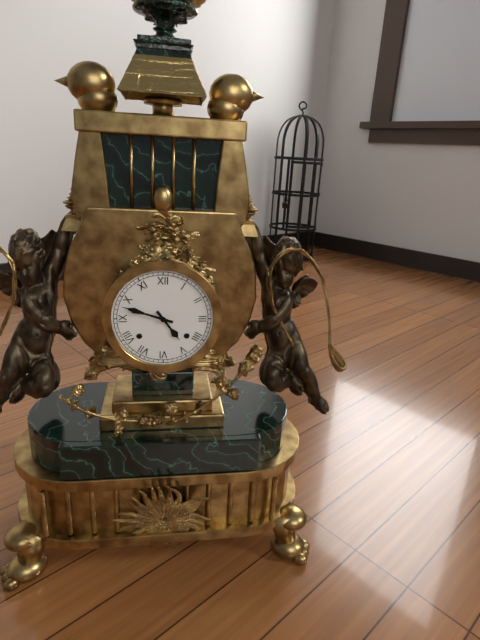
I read {"hour": 4, "minute": 48}
